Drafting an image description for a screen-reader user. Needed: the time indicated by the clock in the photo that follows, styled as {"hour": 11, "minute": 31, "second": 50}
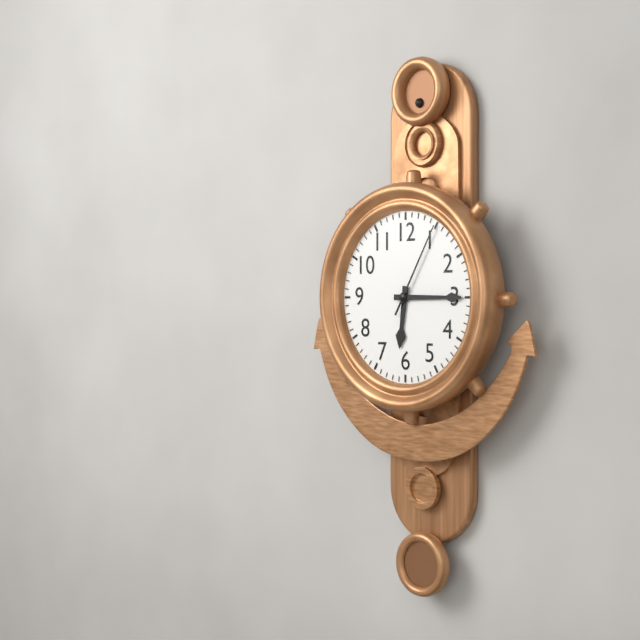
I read {"hour": 6, "minute": 15, "second": 5}
